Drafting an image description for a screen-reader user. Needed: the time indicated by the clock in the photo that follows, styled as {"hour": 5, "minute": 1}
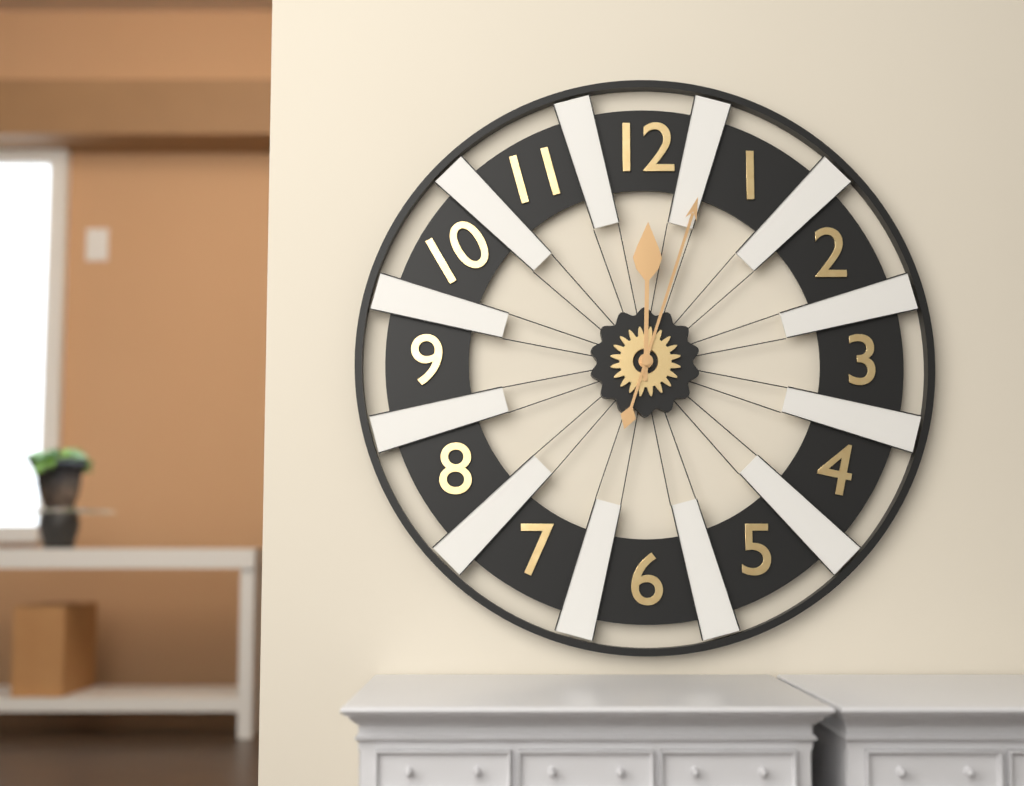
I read {"hour": 12, "minute": 3}
